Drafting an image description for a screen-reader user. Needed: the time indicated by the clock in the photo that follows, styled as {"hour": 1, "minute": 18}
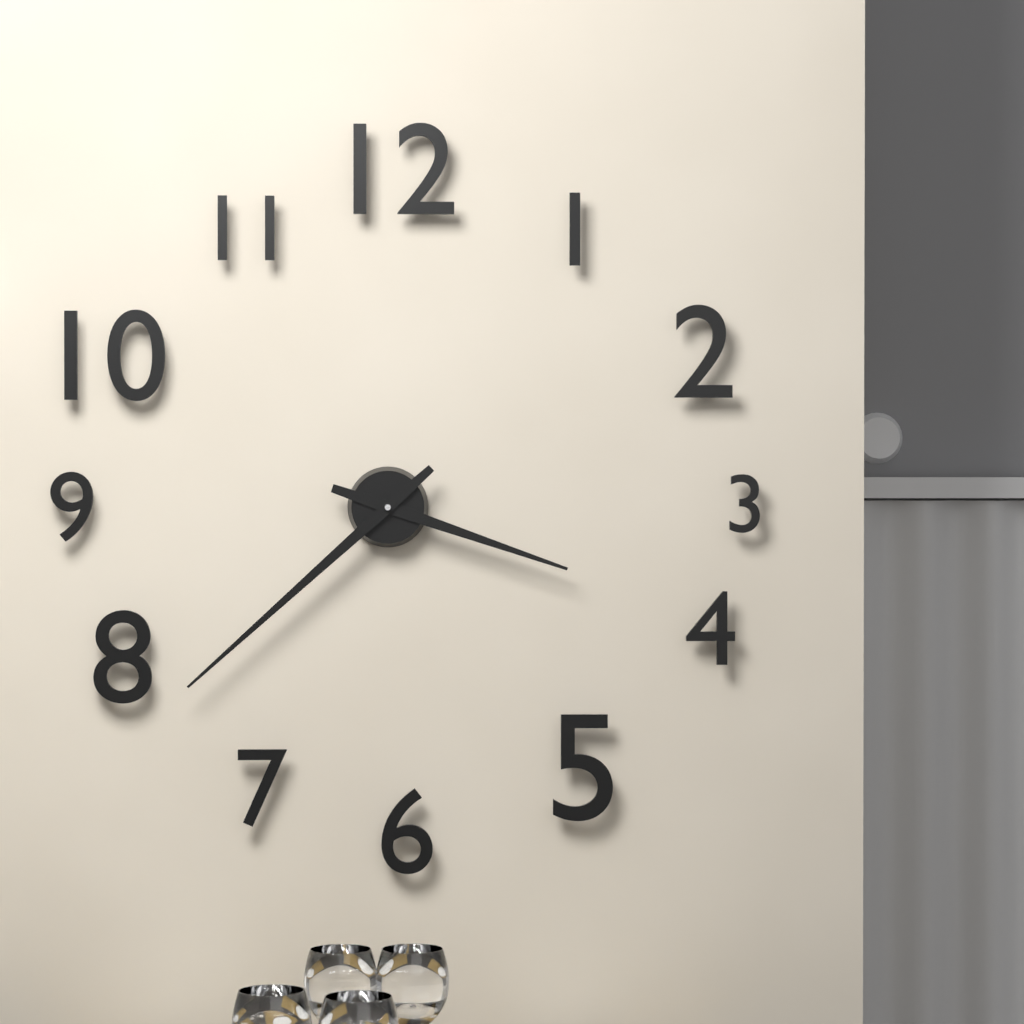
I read {"hour": 3, "minute": 38}
